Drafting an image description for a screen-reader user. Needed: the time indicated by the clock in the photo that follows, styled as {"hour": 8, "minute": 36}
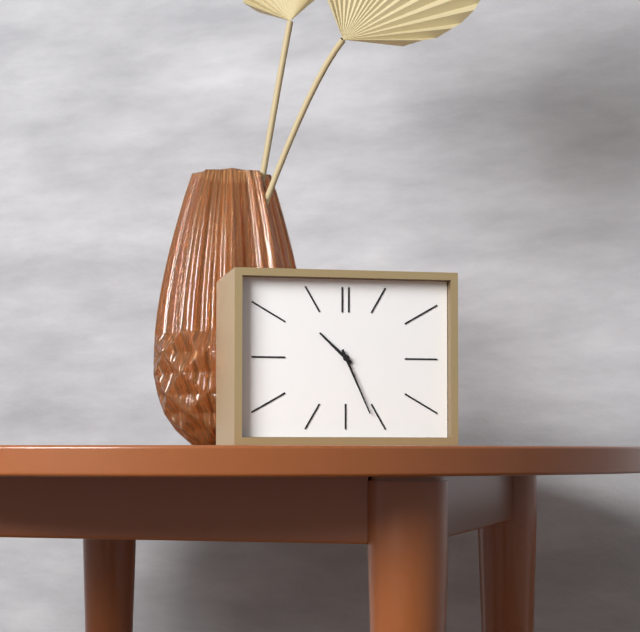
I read {"hour": 10, "minute": 26}
